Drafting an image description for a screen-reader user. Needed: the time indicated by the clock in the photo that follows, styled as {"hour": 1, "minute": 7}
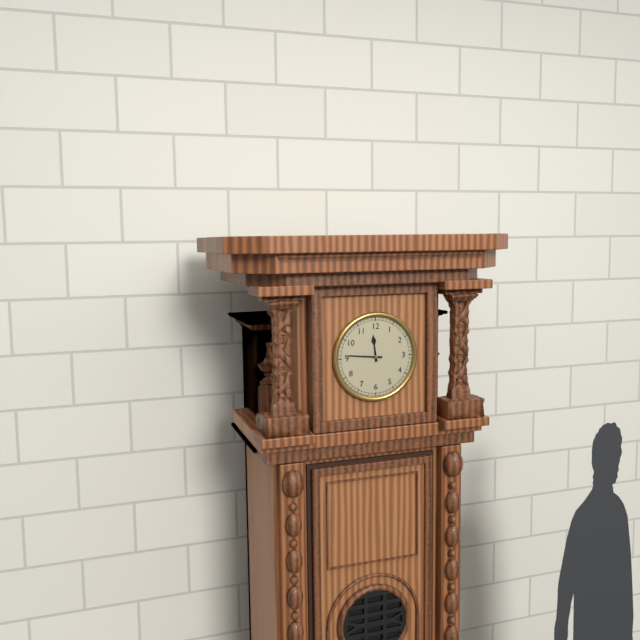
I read {"hour": 11, "minute": 46}
